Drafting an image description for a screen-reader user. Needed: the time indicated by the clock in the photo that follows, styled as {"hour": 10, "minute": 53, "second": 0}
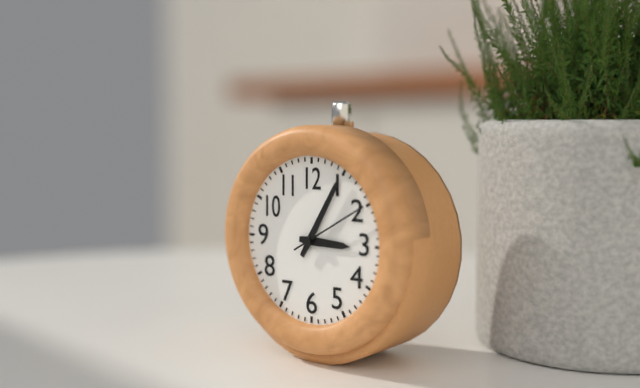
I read {"hour": 3, "minute": 5, "second": 10}
